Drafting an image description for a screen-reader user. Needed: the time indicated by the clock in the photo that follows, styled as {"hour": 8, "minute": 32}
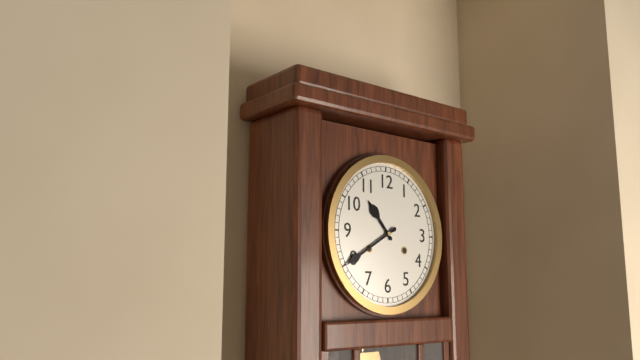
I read {"hour": 10, "minute": 40}
